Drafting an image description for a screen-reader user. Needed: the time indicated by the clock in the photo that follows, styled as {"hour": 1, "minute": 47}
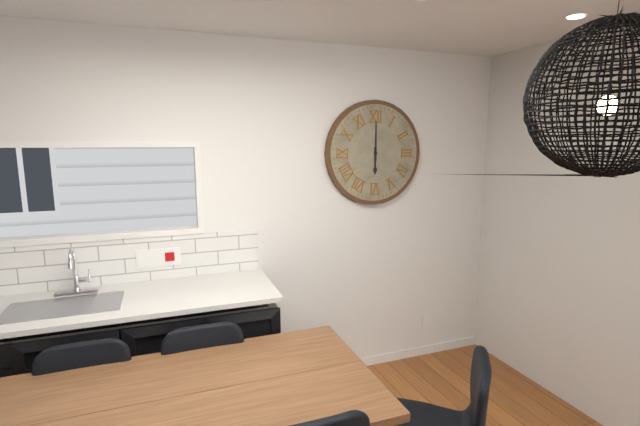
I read {"hour": 6, "minute": 0}
